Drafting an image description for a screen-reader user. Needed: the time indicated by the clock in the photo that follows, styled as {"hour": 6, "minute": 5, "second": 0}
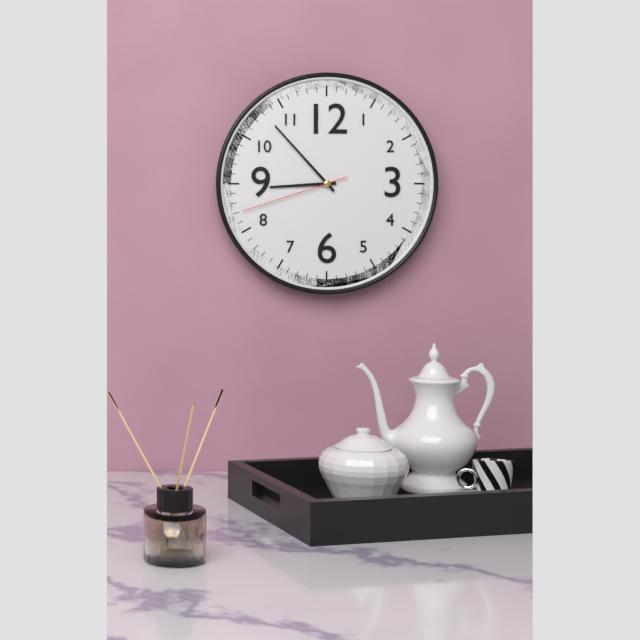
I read {"hour": 8, "minute": 53, "second": 42}
